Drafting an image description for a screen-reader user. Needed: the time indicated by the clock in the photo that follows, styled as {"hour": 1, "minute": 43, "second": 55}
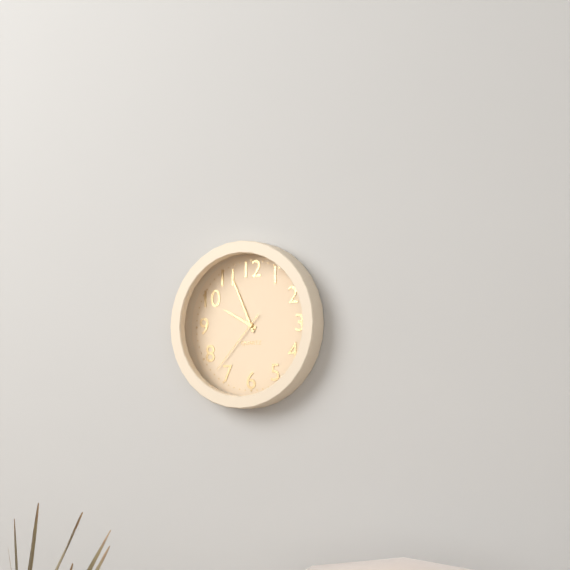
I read {"hour": 9, "minute": 56, "second": 37}
